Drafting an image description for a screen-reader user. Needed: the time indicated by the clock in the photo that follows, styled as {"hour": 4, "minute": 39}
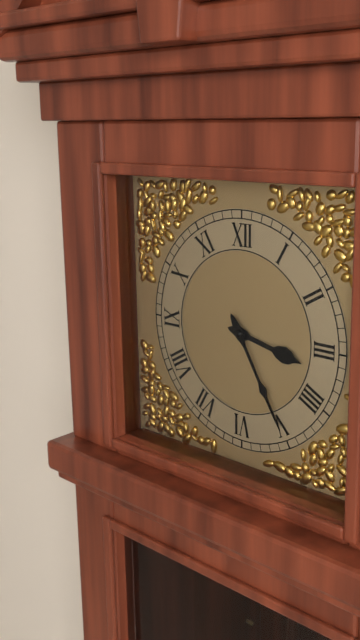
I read {"hour": 3, "minute": 25}
